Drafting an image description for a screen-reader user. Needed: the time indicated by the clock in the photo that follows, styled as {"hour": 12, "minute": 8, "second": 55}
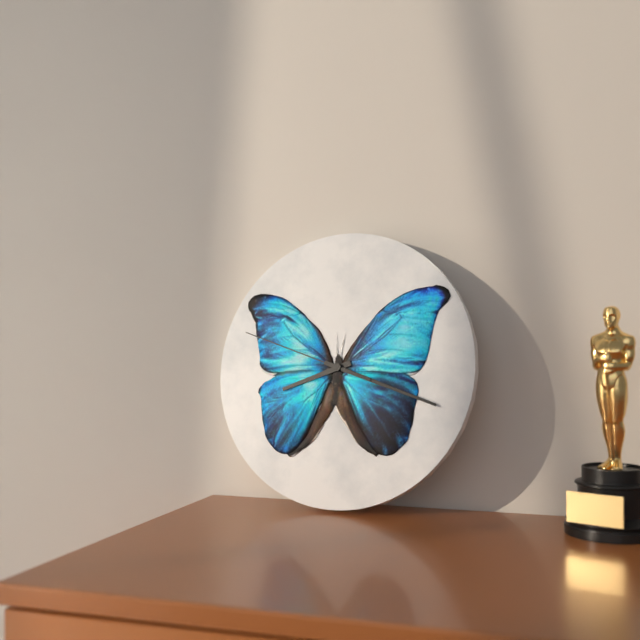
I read {"hour": 8, "minute": 18, "second": 48}
